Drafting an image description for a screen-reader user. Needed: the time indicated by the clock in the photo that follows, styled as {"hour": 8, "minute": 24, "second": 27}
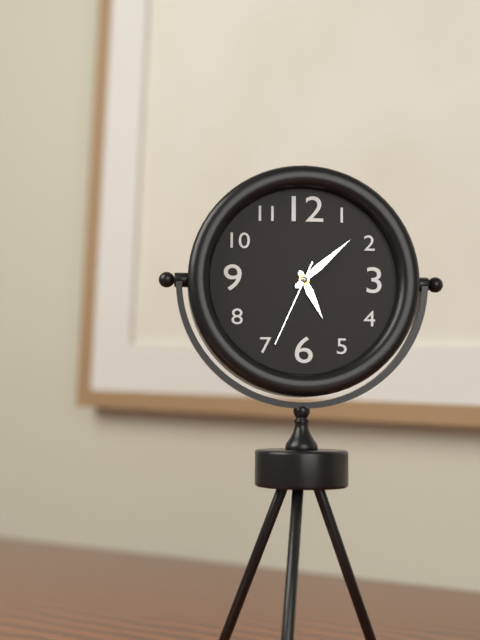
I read {"hour": 5, "minute": 8, "second": 34}
